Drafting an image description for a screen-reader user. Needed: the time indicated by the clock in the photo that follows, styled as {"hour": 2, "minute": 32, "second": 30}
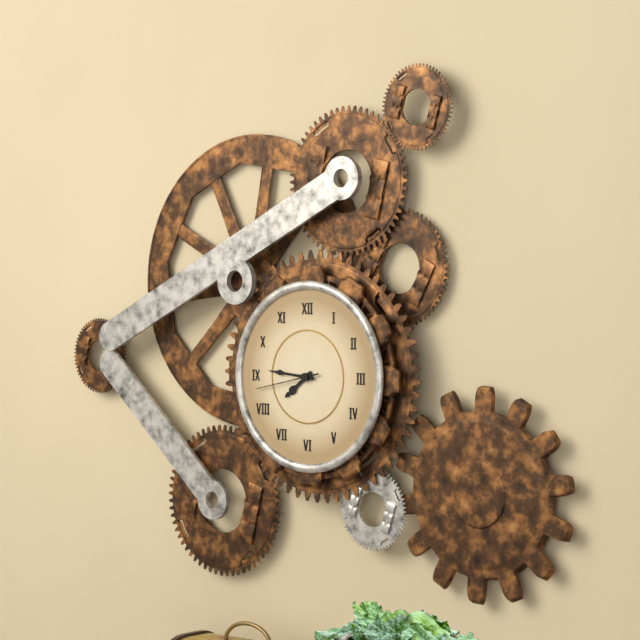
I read {"hour": 7, "minute": 46, "second": 43}
